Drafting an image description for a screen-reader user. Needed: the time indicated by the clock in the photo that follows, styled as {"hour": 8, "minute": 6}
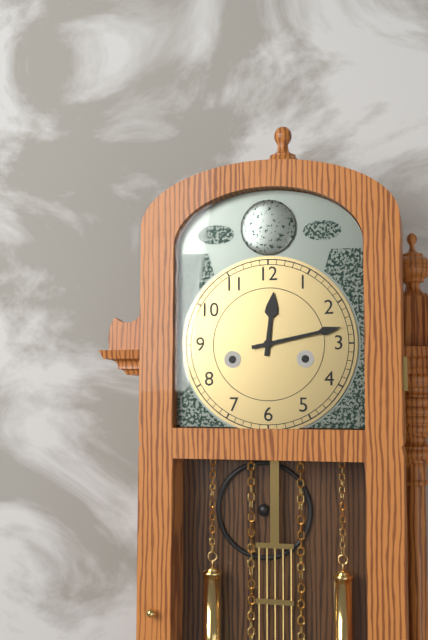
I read {"hour": 12, "minute": 13}
